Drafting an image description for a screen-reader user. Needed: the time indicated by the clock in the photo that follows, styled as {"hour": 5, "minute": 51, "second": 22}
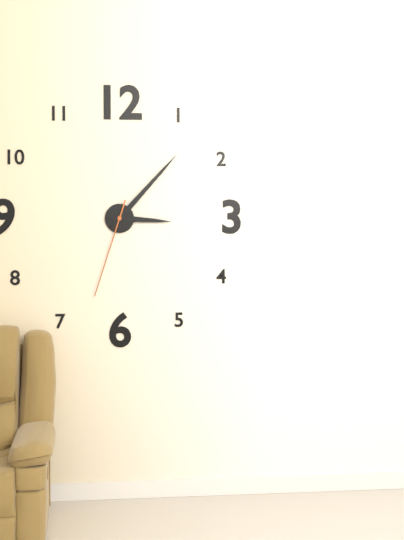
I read {"hour": 3, "minute": 7, "second": 33}
